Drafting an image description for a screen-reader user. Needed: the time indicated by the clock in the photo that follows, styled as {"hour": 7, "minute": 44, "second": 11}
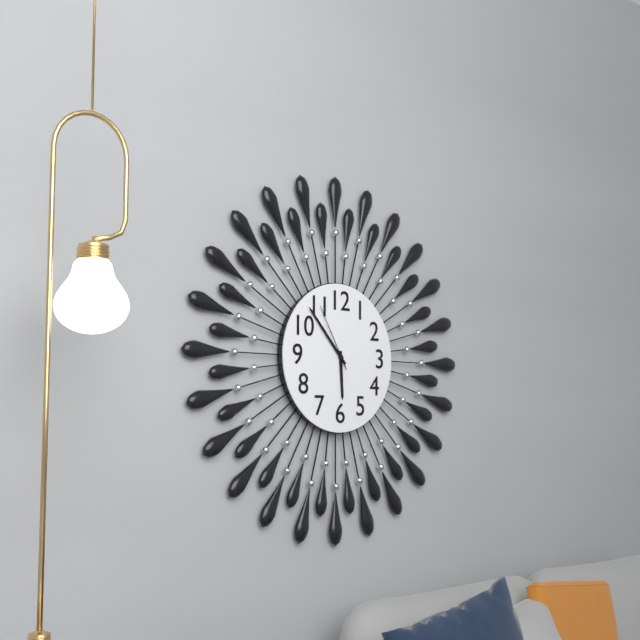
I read {"hour": 5, "minute": 53, "second": 55}
